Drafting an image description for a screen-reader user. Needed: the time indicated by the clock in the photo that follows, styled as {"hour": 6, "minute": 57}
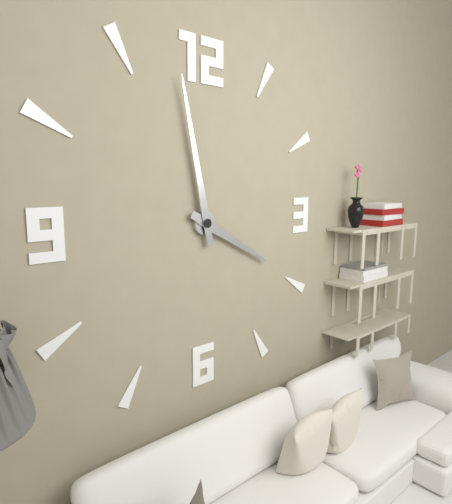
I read {"hour": 3, "minute": 58}
